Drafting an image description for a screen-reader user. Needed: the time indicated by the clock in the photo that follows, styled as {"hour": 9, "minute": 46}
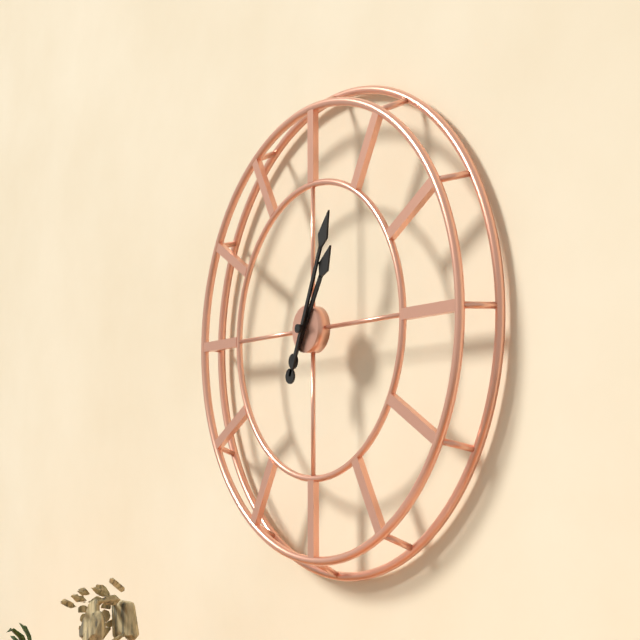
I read {"hour": 1, "minute": 4}
